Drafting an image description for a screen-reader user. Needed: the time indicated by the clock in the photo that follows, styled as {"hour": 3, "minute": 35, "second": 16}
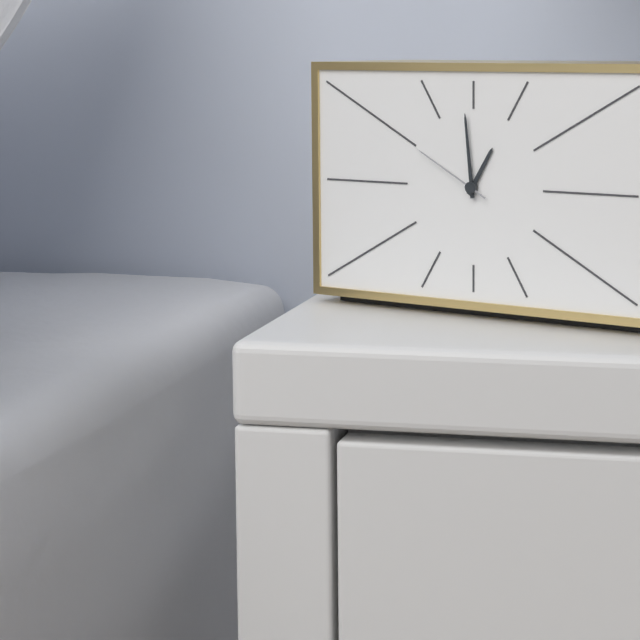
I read {"hour": 12, "minute": 59, "second": 50}
